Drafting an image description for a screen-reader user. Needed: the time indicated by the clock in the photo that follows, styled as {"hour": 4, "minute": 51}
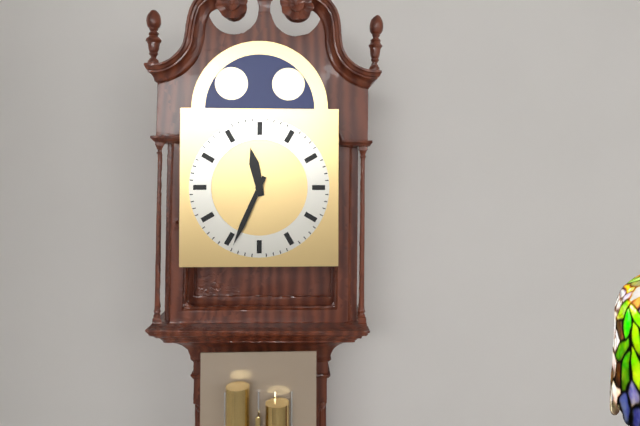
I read {"hour": 11, "minute": 34}
